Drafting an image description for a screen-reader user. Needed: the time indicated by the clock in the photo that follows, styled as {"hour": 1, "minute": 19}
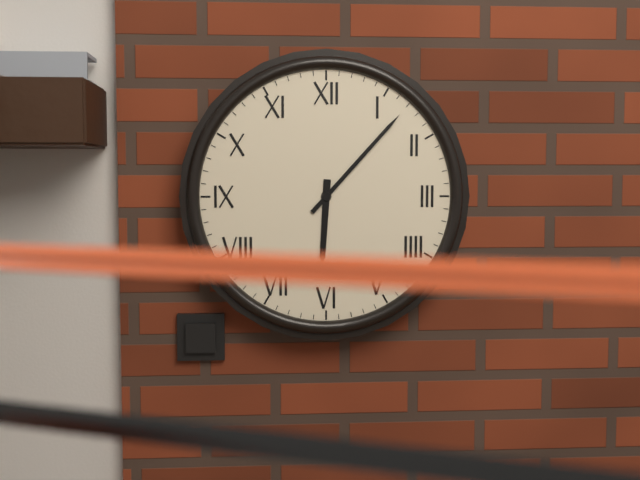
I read {"hour": 6, "minute": 7}
